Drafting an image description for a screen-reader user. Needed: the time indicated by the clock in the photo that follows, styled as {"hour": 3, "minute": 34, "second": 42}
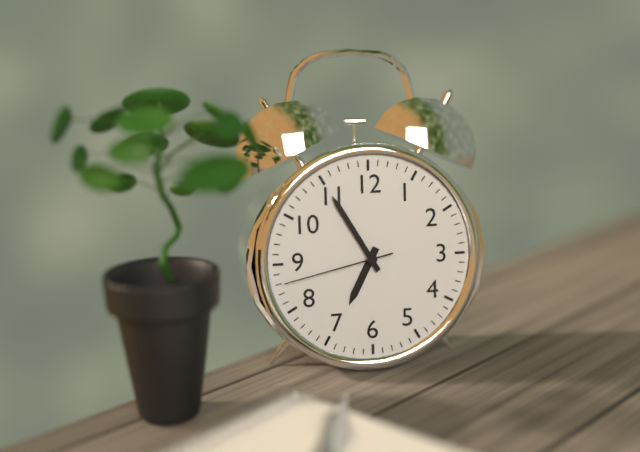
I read {"hour": 6, "minute": 55, "second": 43}
